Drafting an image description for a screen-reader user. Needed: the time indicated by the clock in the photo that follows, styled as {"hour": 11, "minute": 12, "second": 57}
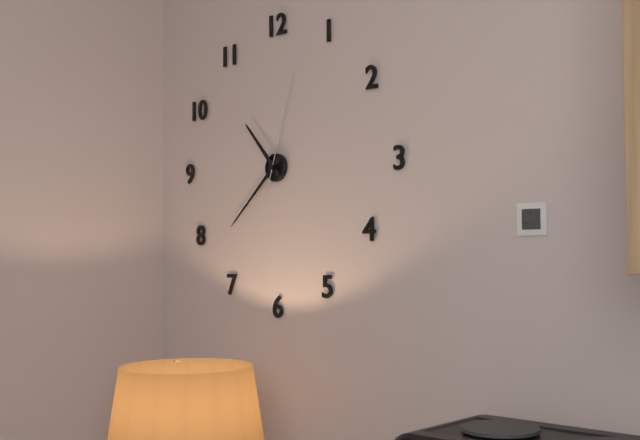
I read {"hour": 10, "minute": 38, "second": 3}
